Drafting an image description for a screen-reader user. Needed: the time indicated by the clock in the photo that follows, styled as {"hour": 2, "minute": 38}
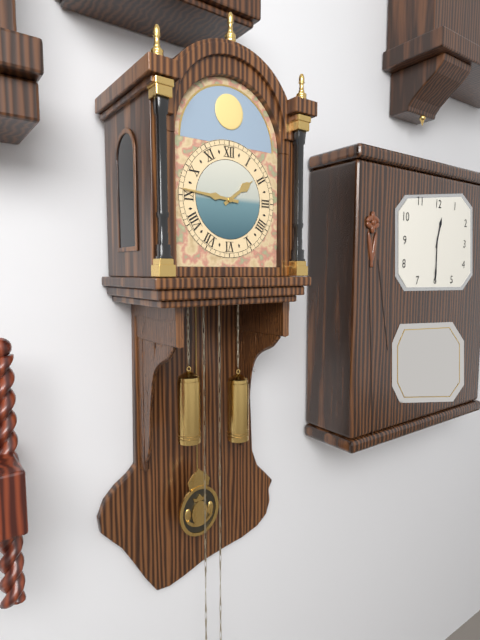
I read {"hour": 1, "minute": 46}
